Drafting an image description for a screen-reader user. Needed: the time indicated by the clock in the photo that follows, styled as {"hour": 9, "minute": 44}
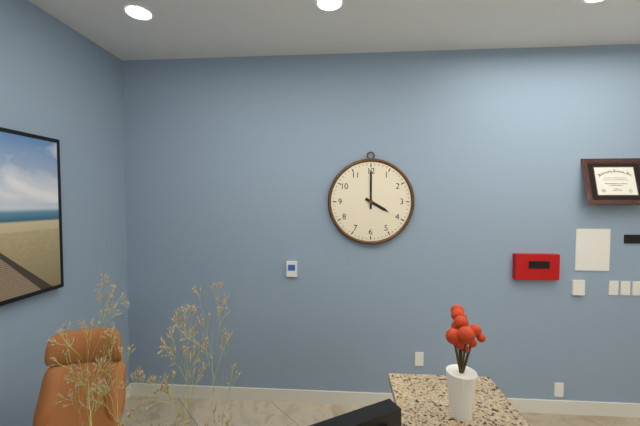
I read {"hour": 4, "minute": 0}
